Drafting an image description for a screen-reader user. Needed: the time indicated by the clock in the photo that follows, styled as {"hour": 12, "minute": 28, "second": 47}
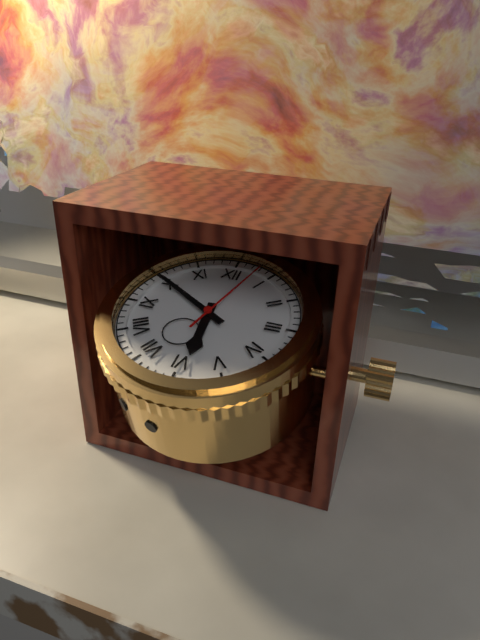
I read {"hour": 5, "minute": 50, "second": 3}
